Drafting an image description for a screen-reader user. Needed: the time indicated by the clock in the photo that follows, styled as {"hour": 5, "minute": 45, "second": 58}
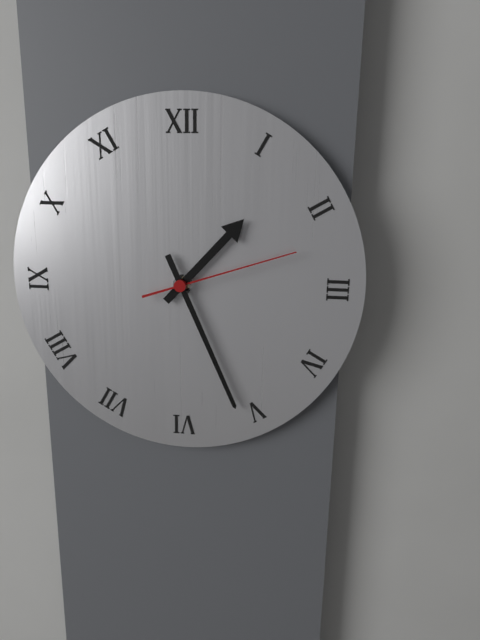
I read {"hour": 1, "minute": 26, "second": 12}
